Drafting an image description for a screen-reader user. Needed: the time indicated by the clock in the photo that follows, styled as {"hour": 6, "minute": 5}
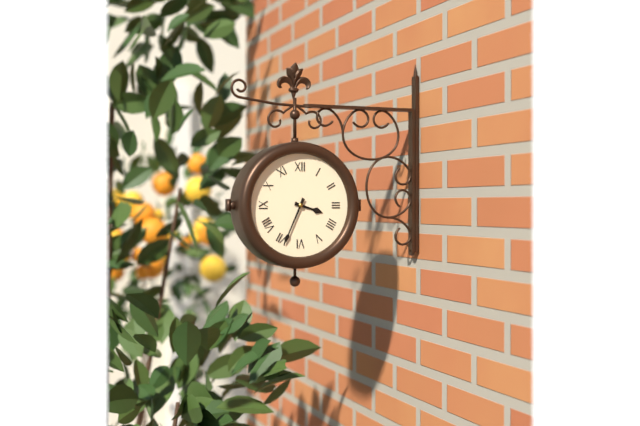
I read {"hour": 3, "minute": 34}
